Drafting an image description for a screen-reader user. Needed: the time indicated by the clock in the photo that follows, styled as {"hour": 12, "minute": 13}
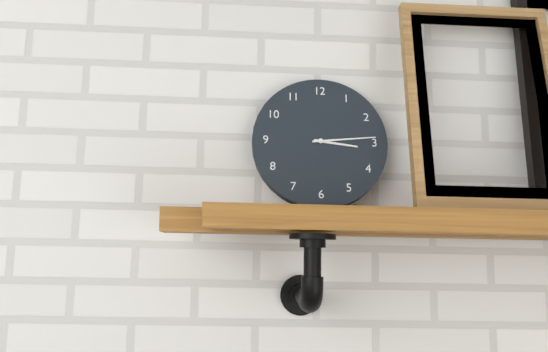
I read {"hour": 3, "minute": 14}
